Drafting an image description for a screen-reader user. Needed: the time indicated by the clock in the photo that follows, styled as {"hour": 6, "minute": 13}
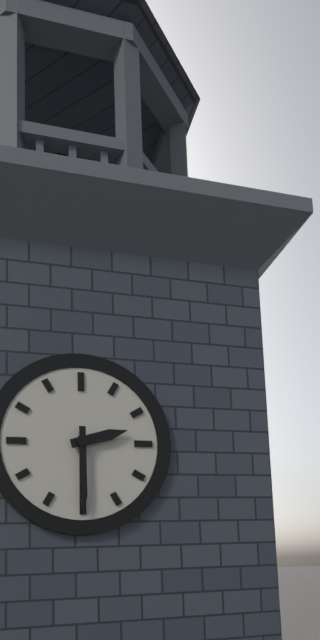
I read {"hour": 2, "minute": 30}
